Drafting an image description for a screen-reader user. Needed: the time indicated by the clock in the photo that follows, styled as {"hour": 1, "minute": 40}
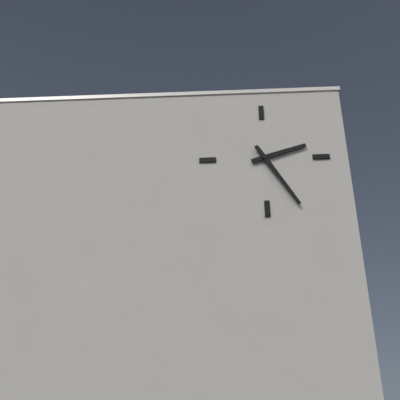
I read {"hour": 2, "minute": 25}
